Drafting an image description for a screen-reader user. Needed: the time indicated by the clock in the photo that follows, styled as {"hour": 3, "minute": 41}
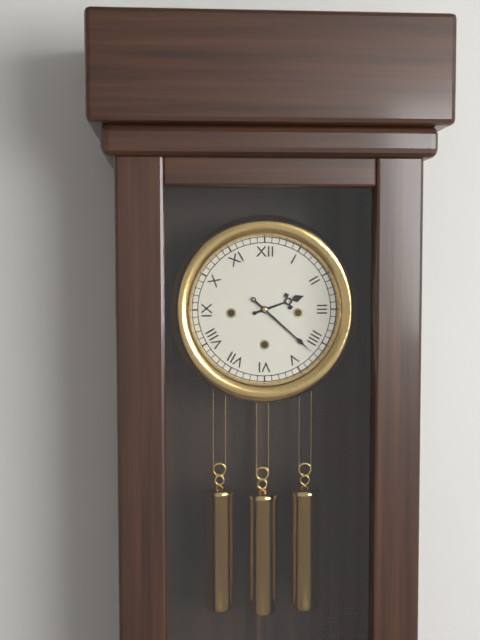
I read {"hour": 2, "minute": 22}
